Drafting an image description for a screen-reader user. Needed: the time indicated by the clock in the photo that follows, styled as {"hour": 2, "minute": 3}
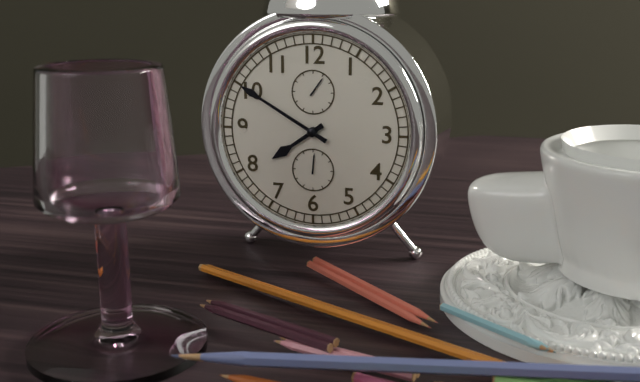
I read {"hour": 7, "minute": 50}
